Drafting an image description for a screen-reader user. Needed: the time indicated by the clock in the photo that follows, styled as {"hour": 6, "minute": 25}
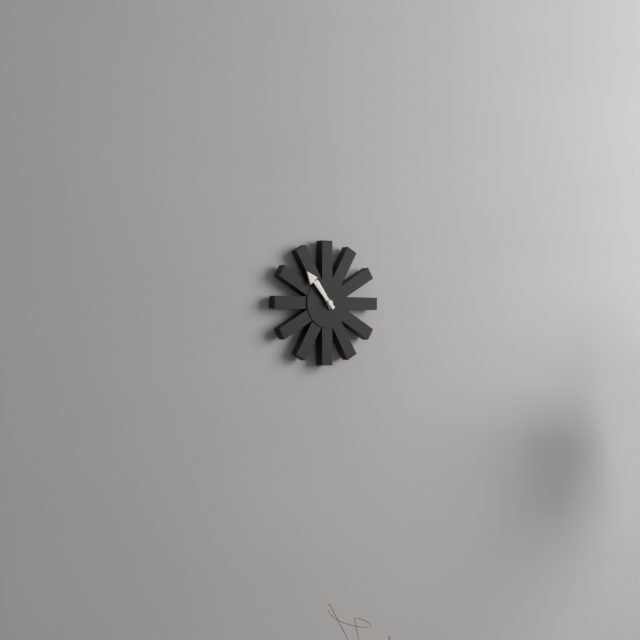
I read {"hour": 10, "minute": 53}
